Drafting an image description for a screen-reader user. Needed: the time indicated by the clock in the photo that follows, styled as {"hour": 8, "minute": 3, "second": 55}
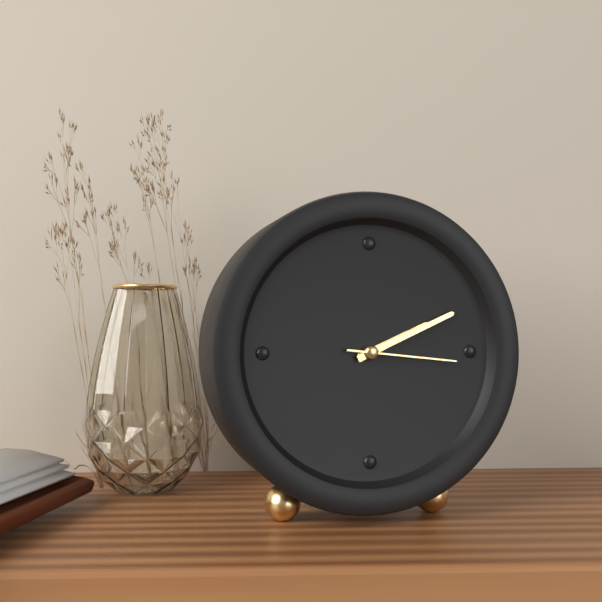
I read {"hour": 2, "minute": 11, "second": 16}
